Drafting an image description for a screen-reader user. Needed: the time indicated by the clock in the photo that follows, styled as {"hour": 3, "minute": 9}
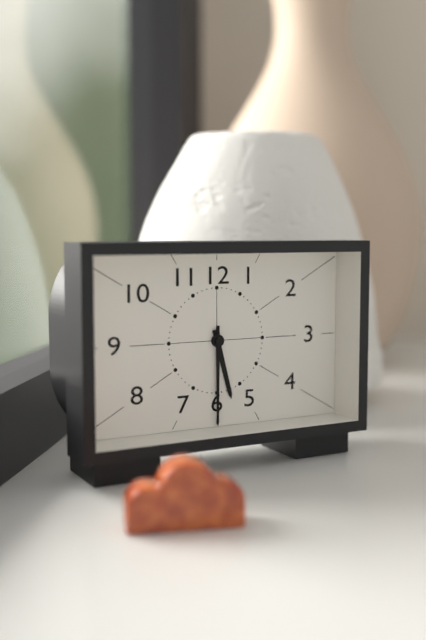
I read {"hour": 5, "minute": 30}
